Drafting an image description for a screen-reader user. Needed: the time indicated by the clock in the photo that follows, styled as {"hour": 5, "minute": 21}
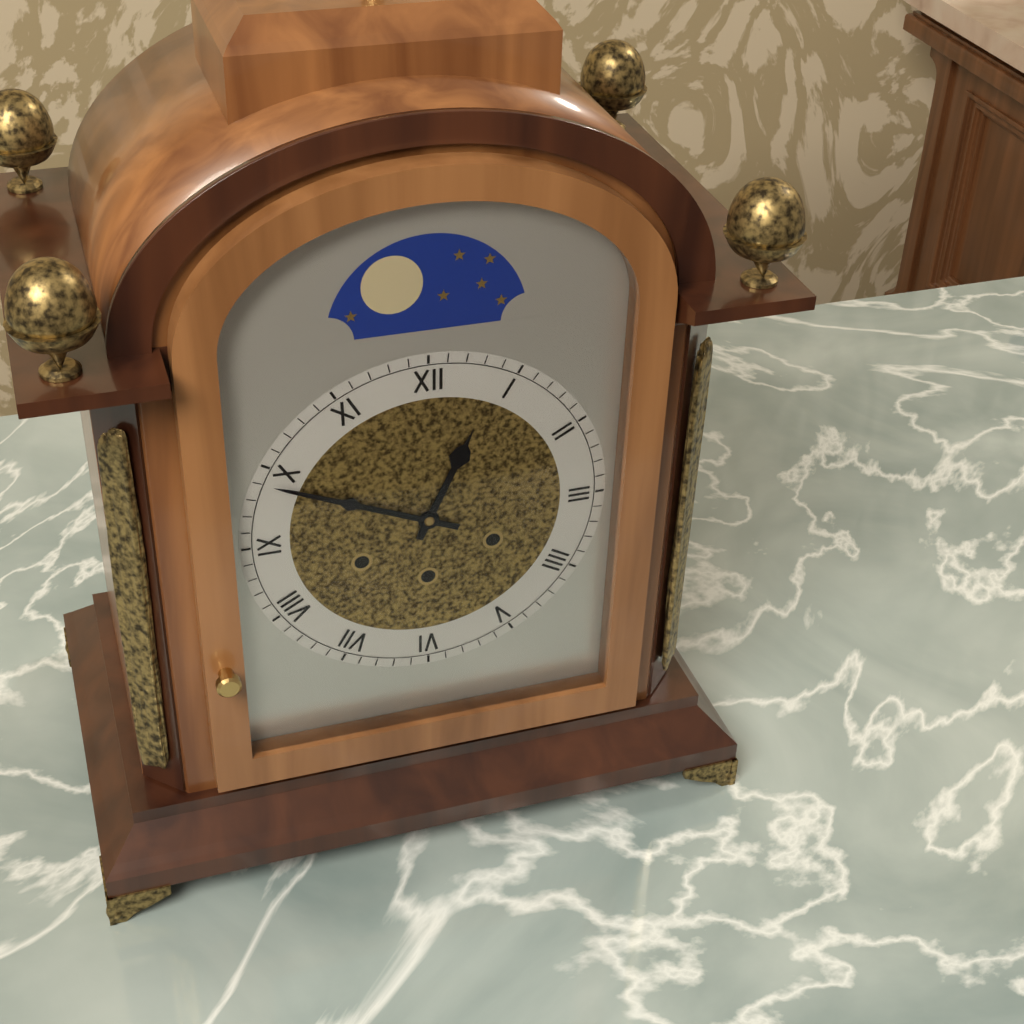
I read {"hour": 12, "minute": 49}
